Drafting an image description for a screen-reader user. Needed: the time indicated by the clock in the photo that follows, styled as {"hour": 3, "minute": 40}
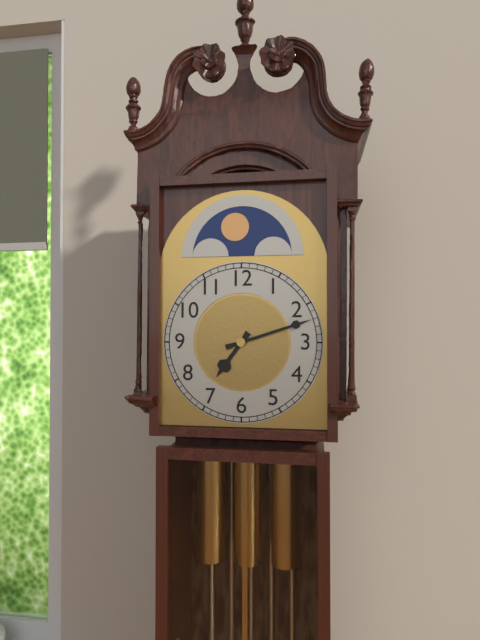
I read {"hour": 7, "minute": 12}
